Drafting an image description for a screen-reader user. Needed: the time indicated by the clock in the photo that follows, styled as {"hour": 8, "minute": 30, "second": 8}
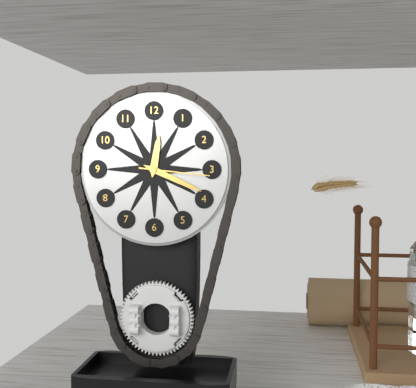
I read {"hour": 12, "minute": 19, "second": 16}
